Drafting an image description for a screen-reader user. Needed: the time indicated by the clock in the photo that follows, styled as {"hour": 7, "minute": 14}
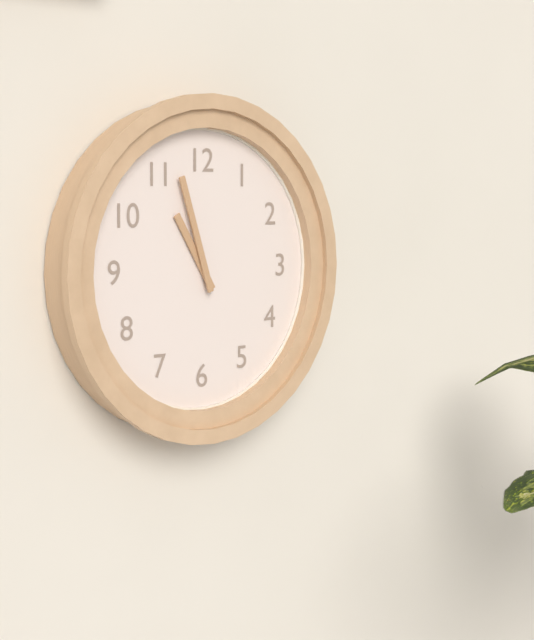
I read {"hour": 10, "minute": 57}
